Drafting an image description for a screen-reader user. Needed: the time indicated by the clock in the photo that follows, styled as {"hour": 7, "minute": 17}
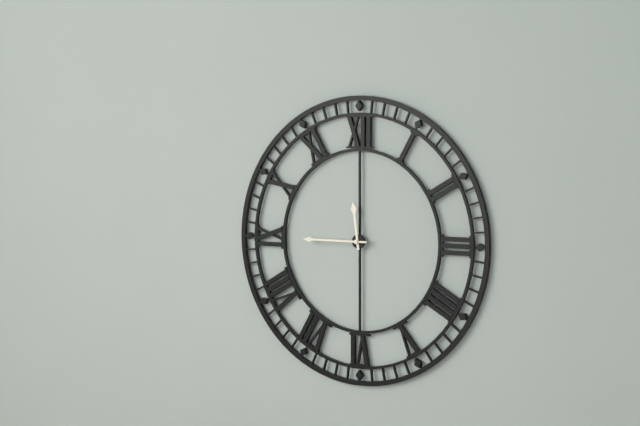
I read {"hour": 11, "minute": 45}
